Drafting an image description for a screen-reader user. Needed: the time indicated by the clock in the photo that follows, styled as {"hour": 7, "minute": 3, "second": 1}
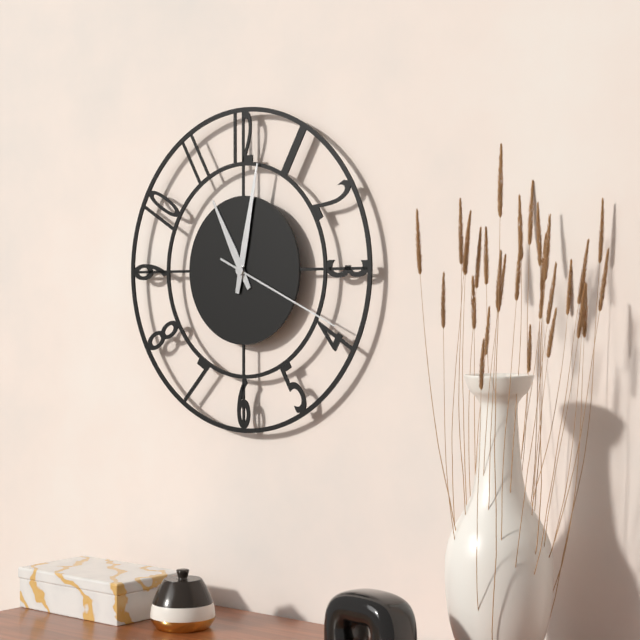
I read {"hour": 11, "minute": 2, "second": 19}
